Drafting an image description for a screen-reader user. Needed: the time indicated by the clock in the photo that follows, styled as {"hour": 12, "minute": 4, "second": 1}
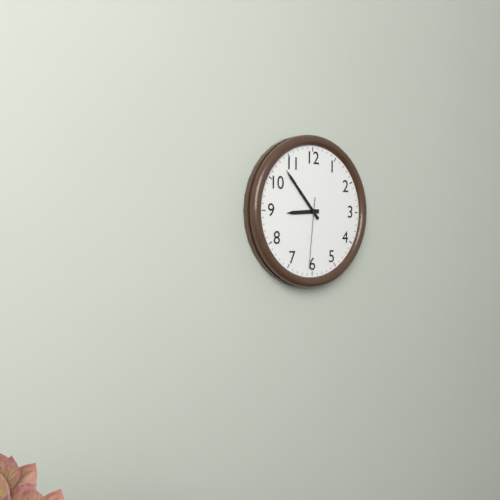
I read {"hour": 8, "minute": 53, "second": 31}
